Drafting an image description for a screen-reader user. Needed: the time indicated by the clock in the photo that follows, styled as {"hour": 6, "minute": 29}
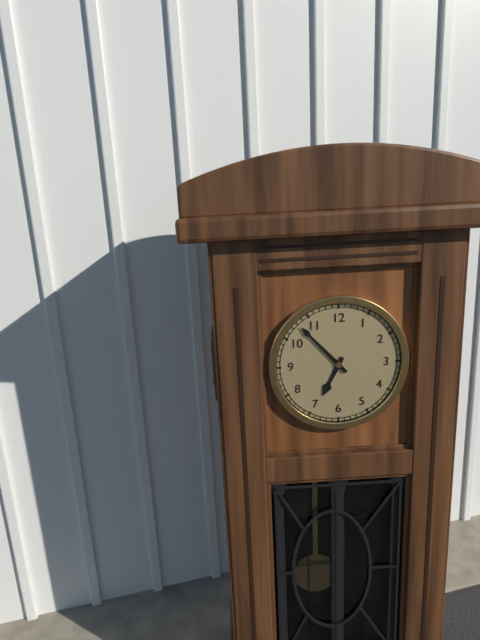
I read {"hour": 6, "minute": 53}
